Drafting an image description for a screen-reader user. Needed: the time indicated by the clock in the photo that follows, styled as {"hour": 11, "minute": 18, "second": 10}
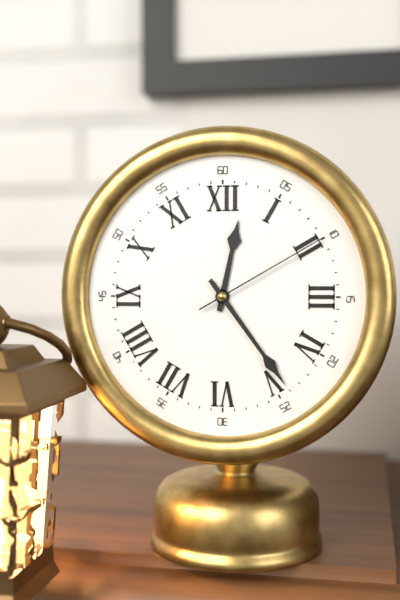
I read {"hour": 12, "minute": 24, "second": 10}
